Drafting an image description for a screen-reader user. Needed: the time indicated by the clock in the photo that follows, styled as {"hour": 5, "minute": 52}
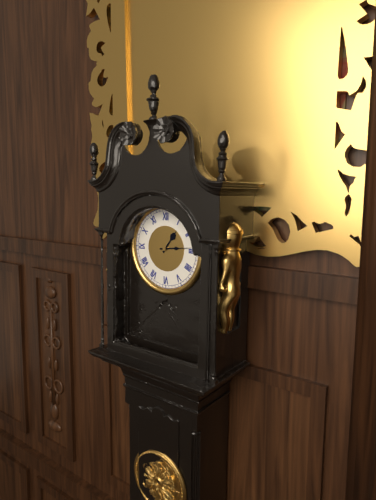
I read {"hour": 1, "minute": 14}
